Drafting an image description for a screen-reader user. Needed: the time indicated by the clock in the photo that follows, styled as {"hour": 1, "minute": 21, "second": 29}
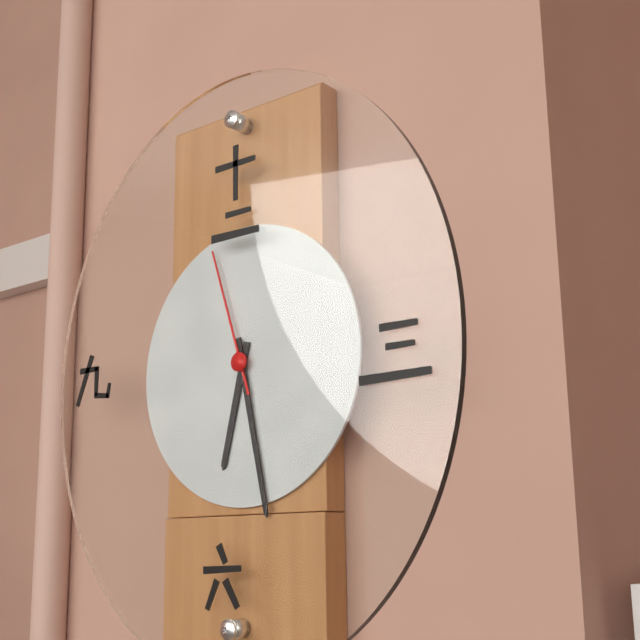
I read {"hour": 6, "minute": 28, "second": 57}
